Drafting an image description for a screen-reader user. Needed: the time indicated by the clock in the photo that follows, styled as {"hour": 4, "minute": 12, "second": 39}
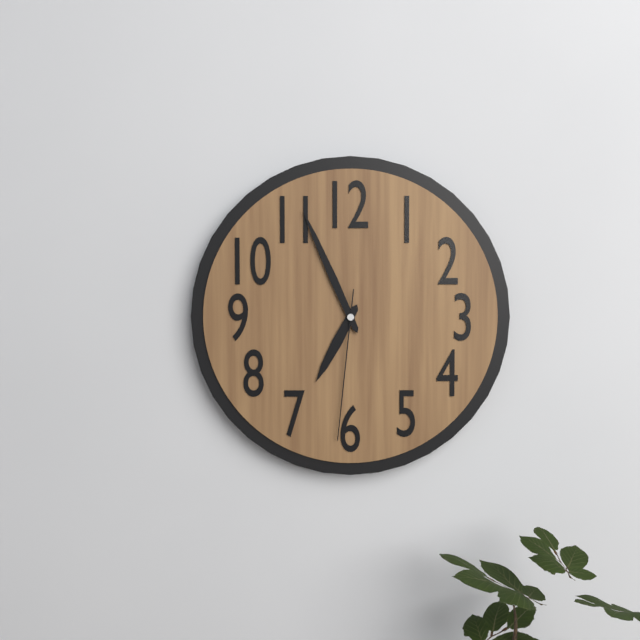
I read {"hour": 6, "minute": 56, "second": 31}
